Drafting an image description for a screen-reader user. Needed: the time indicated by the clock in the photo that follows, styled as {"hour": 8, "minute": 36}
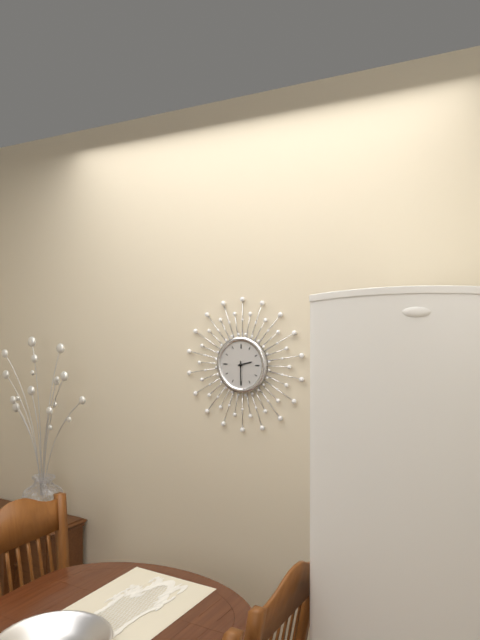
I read {"hour": 2, "minute": 30}
